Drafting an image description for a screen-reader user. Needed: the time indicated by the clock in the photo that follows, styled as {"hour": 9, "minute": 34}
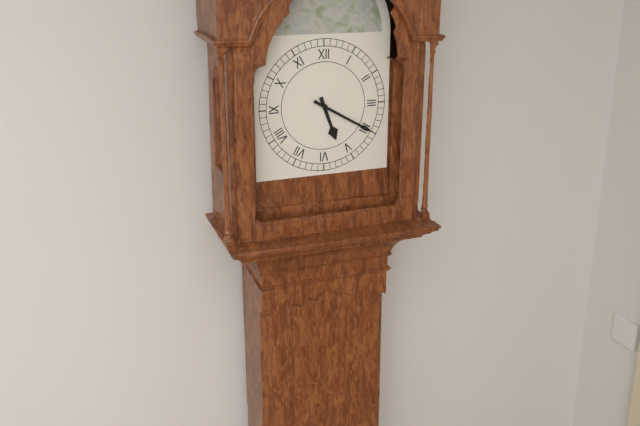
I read {"hour": 5, "minute": 20}
